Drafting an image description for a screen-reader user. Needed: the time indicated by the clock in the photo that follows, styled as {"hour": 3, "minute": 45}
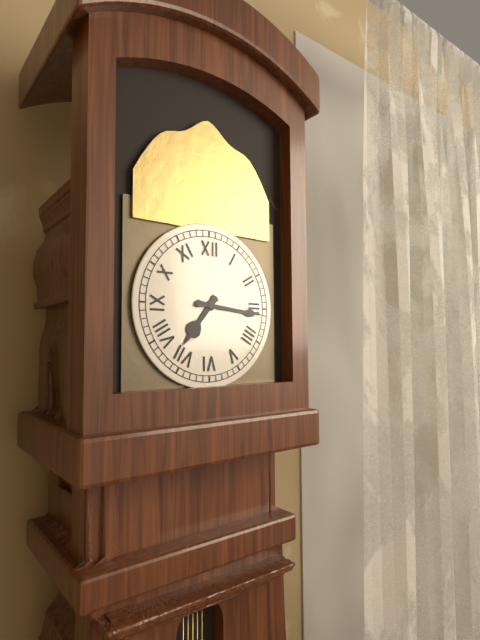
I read {"hour": 7, "minute": 16}
